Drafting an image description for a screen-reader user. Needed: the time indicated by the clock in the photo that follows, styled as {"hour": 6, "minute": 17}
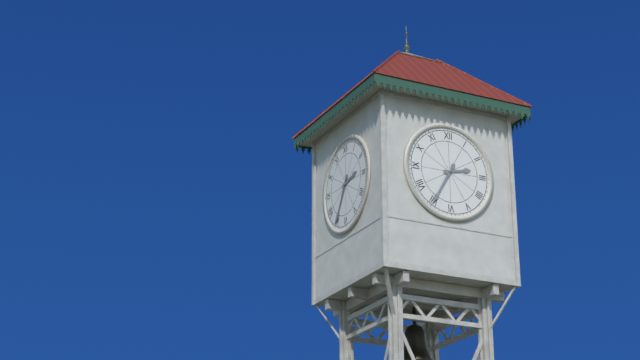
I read {"hour": 2, "minute": 35}
